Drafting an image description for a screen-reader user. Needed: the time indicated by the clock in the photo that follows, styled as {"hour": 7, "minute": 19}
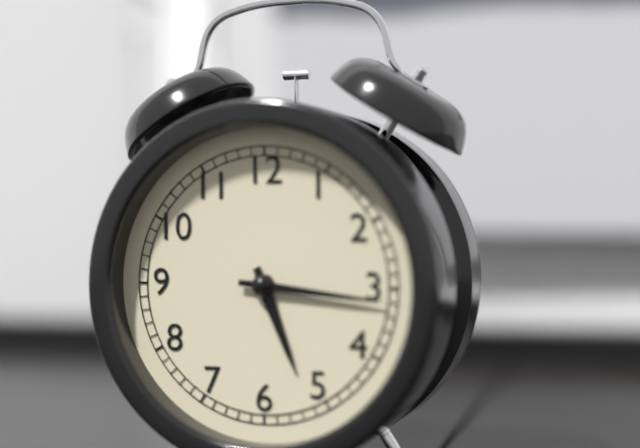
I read {"hour": 5, "minute": 16}
